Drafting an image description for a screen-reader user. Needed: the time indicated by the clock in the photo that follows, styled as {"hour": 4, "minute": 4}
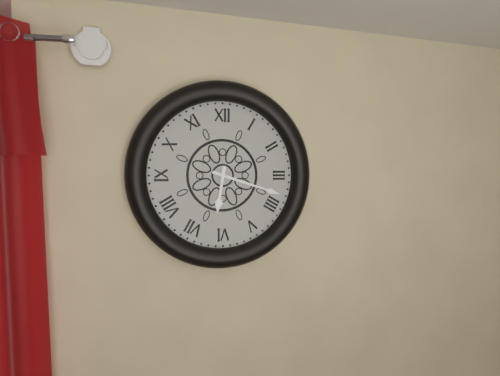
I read {"hour": 6, "minute": 18}
